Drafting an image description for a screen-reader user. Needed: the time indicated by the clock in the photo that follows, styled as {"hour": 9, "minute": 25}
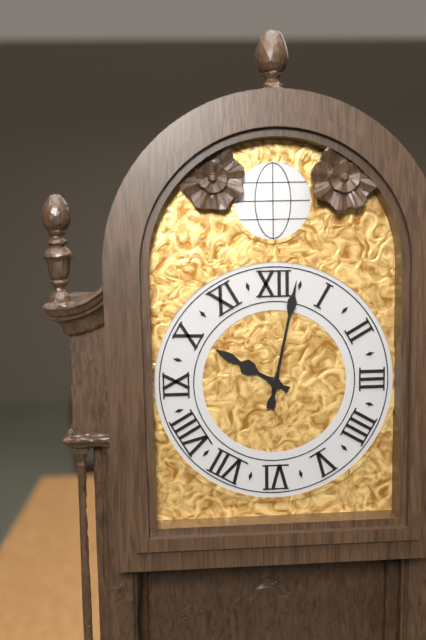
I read {"hour": 10, "minute": 2}
